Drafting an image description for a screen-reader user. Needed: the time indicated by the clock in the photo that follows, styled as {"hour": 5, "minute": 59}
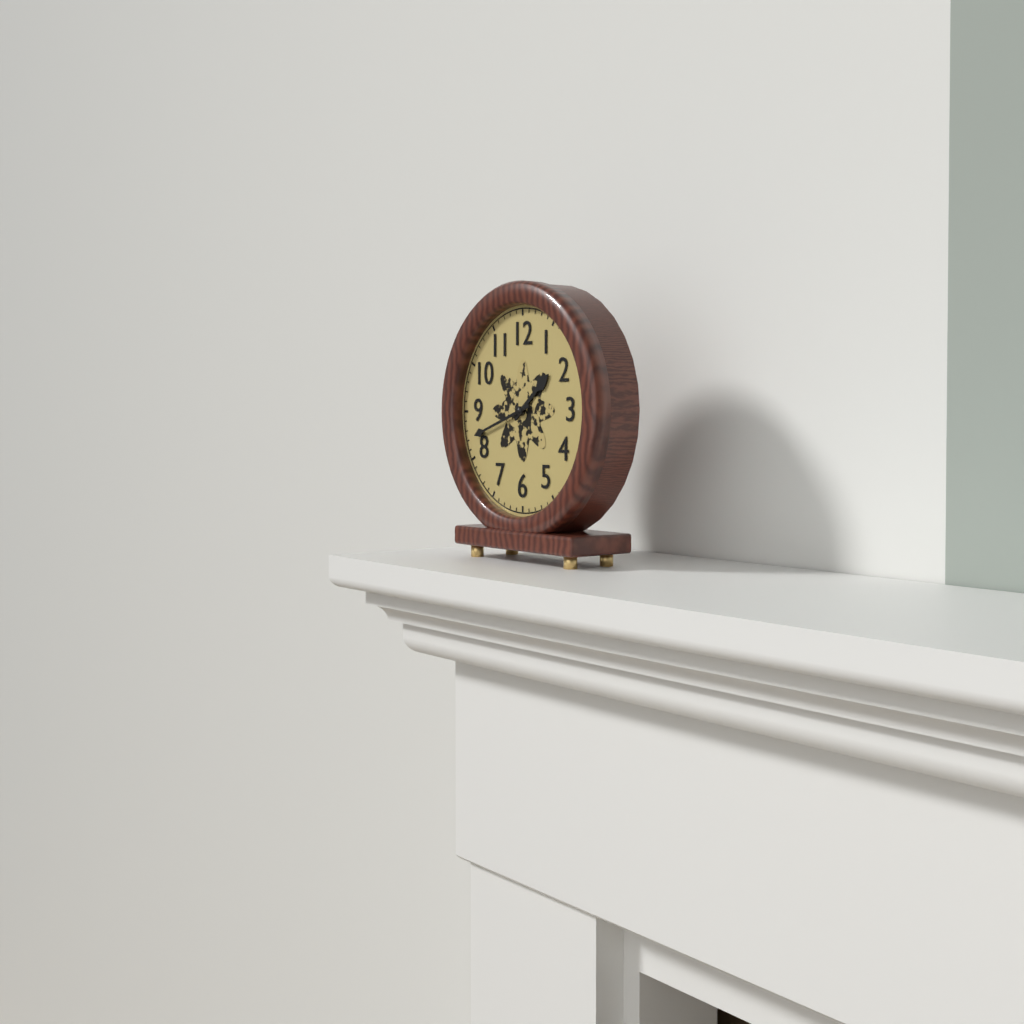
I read {"hour": 1, "minute": 42}
